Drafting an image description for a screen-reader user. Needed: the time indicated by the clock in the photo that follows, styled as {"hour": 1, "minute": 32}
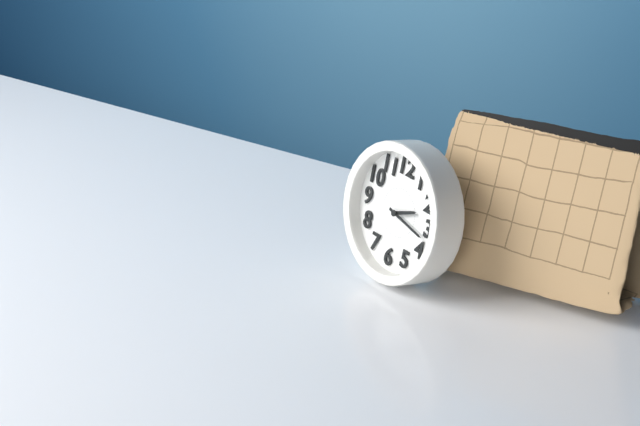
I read {"hour": 2, "minute": 17}
